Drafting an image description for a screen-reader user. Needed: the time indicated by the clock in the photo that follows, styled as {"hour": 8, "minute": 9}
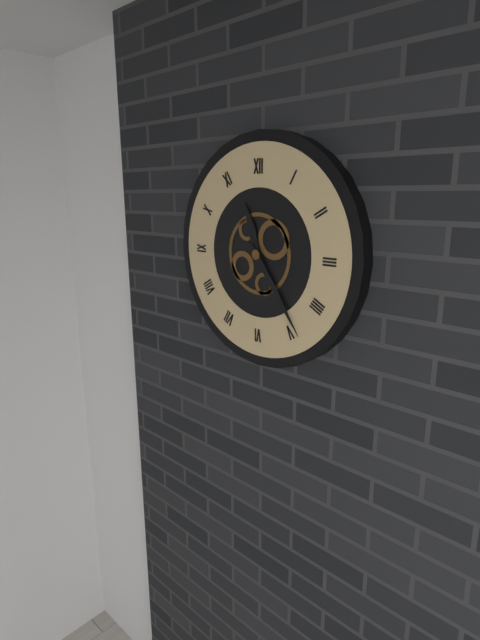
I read {"hour": 11, "minute": 24}
